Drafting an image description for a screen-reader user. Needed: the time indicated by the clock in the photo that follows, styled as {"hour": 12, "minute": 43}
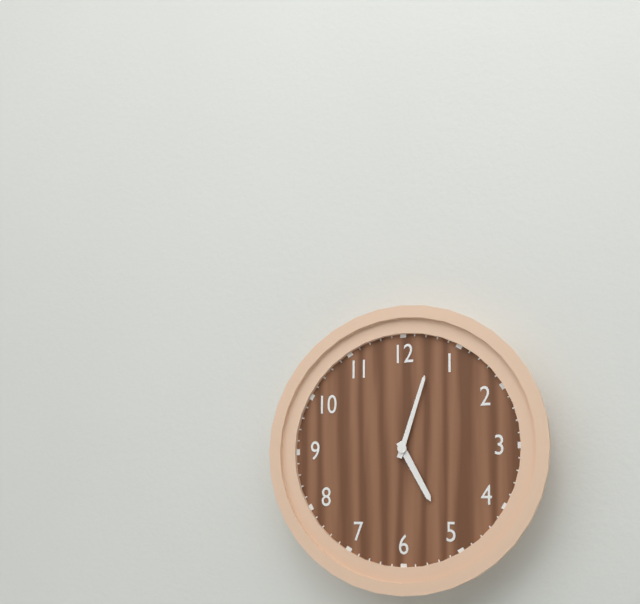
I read {"hour": 5, "minute": 3}
